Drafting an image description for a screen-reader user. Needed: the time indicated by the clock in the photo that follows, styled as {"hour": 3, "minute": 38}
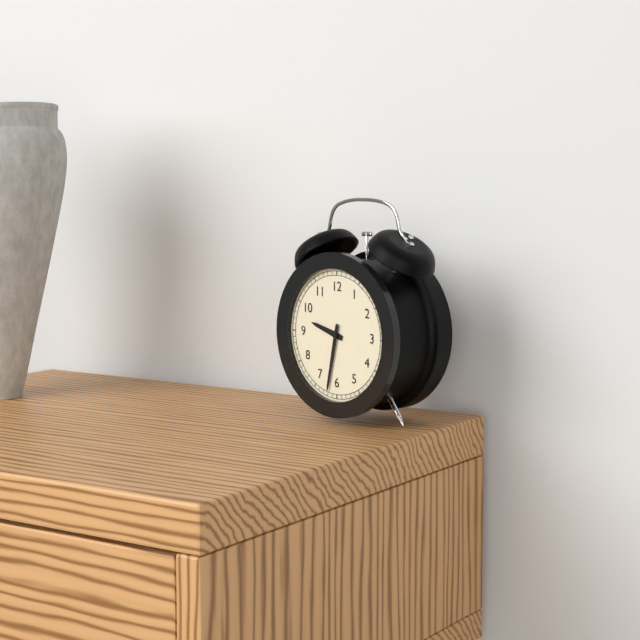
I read {"hour": 9, "minute": 32}
